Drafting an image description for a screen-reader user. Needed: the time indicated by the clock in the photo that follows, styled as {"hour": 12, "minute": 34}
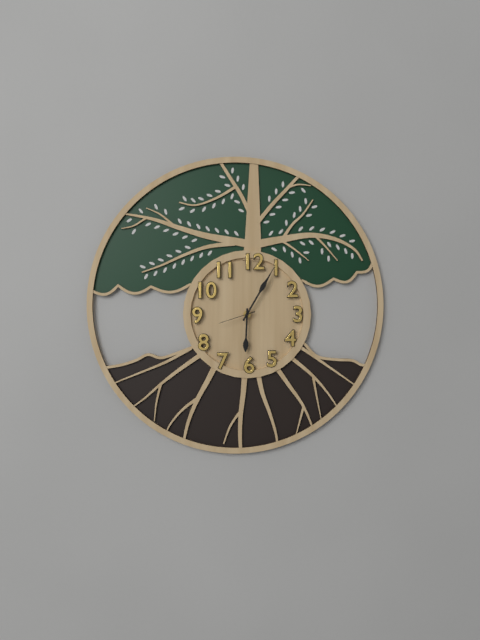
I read {"hour": 6, "minute": 5}
